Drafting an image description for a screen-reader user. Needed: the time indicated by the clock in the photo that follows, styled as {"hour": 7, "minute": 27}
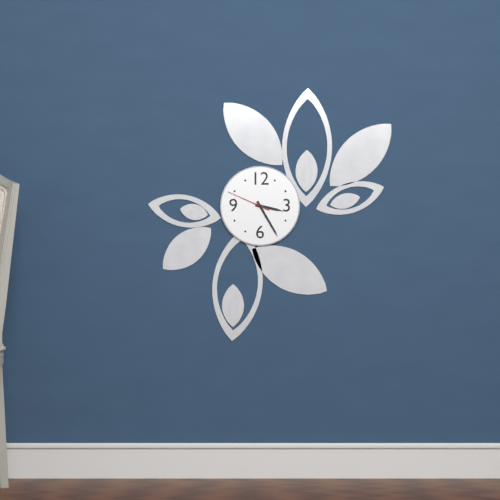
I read {"hour": 3, "minute": 25}
